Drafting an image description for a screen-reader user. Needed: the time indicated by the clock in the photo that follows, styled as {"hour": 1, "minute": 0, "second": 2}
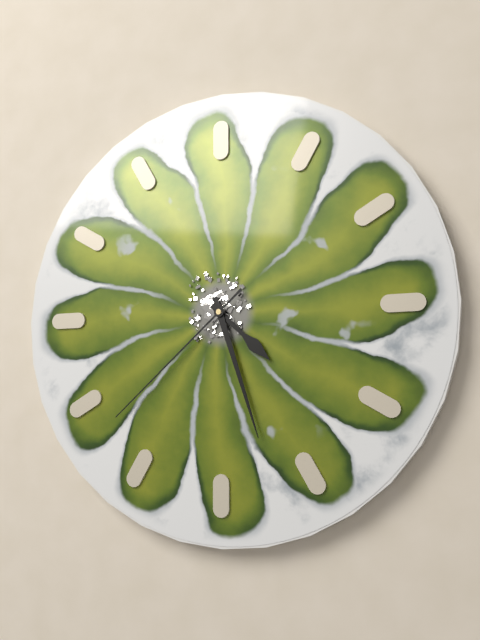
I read {"hour": 4, "minute": 27, "second": 38}
